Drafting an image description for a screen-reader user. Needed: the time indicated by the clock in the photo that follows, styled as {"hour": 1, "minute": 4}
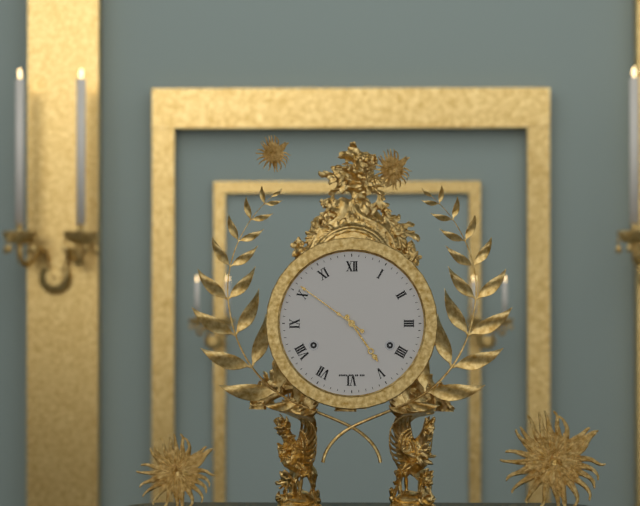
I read {"hour": 4, "minute": 51}
